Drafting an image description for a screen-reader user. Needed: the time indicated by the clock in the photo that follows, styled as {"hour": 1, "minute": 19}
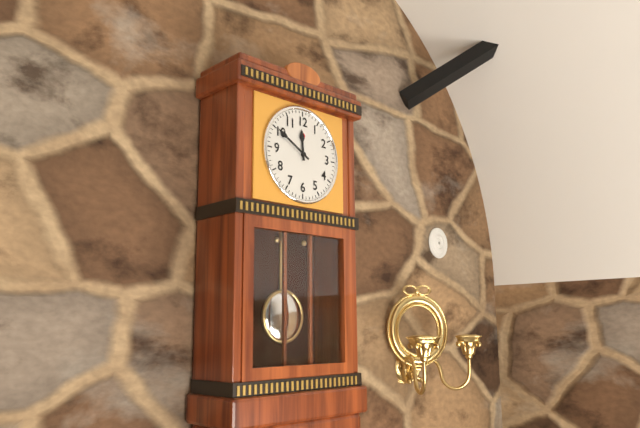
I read {"hour": 11, "minute": 50}
